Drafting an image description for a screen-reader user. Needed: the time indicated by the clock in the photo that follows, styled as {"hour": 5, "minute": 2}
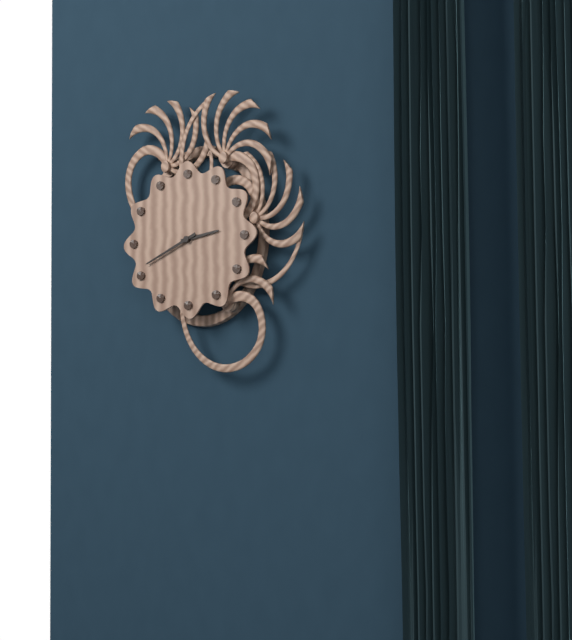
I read {"hour": 2, "minute": 41}
